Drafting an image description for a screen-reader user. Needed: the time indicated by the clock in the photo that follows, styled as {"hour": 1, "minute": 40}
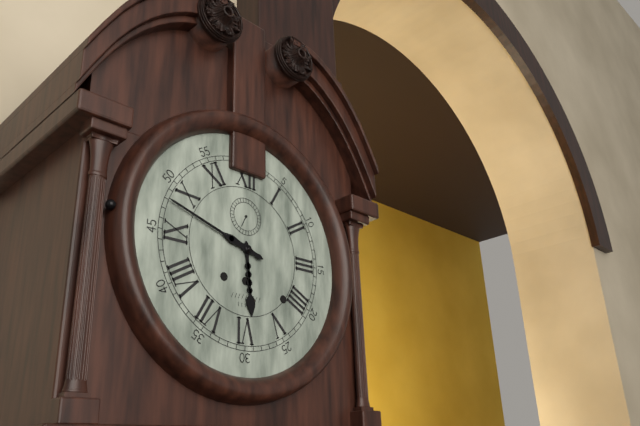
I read {"hour": 5, "minute": 48}
